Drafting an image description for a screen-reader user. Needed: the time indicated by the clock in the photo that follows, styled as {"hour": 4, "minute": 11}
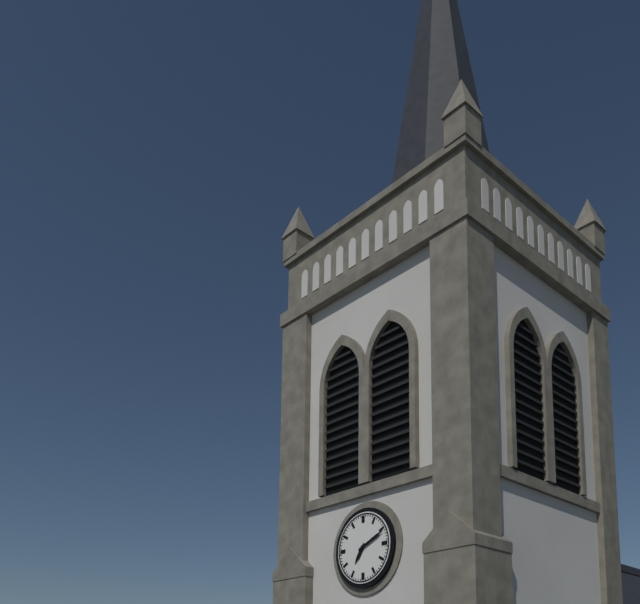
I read {"hour": 7, "minute": 11}
